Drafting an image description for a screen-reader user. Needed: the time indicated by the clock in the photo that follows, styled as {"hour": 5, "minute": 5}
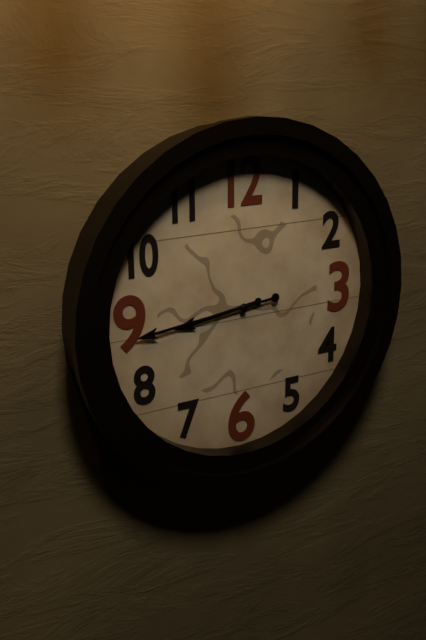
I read {"hour": 8, "minute": 44}
